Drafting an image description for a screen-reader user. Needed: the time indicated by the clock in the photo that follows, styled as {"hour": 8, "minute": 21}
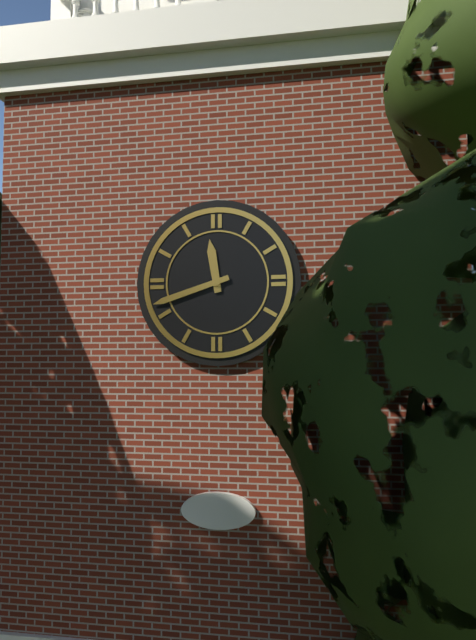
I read {"hour": 11, "minute": 42}
